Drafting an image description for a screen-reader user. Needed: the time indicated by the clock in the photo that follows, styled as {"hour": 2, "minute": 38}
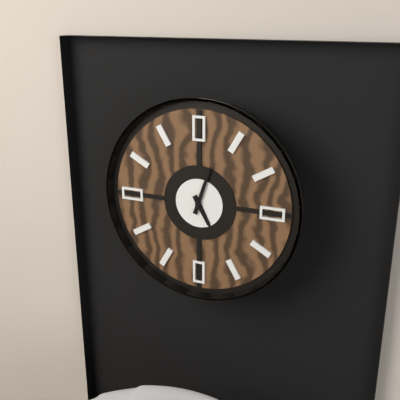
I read {"hour": 5, "minute": 3}
